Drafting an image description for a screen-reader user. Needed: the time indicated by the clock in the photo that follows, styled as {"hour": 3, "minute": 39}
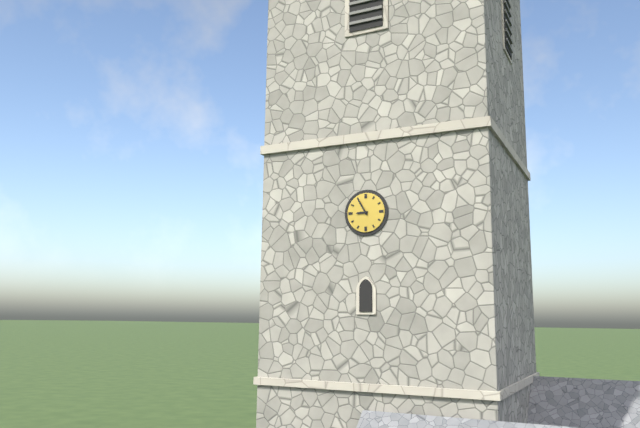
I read {"hour": 8, "minute": 55}
